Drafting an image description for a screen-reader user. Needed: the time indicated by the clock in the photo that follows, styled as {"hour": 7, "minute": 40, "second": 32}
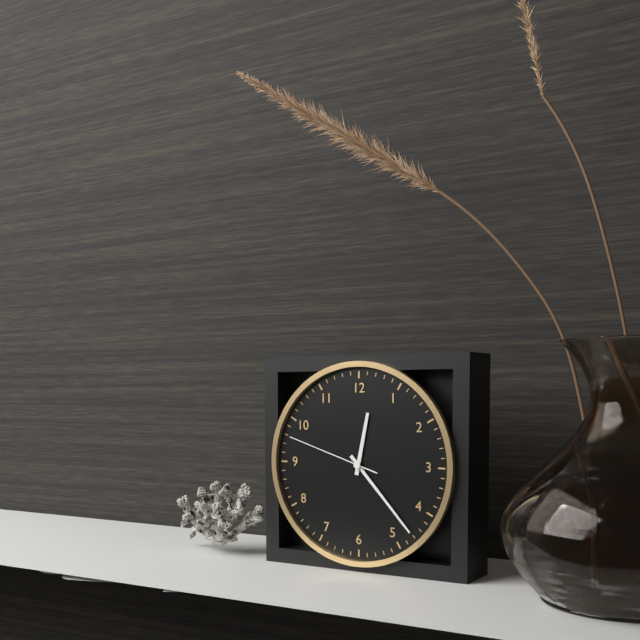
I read {"hour": 12, "minute": 23, "second": 48}
